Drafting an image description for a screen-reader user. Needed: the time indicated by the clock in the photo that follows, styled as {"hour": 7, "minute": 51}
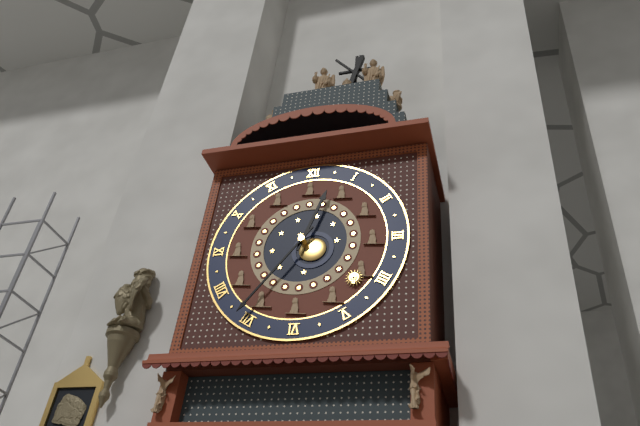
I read {"hour": 12, "minute": 36}
